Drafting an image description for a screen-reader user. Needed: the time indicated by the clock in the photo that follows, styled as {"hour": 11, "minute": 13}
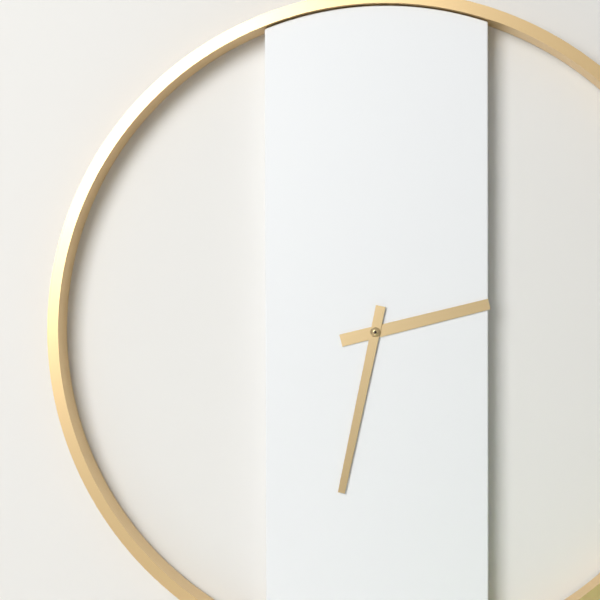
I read {"hour": 2, "minute": 32}
